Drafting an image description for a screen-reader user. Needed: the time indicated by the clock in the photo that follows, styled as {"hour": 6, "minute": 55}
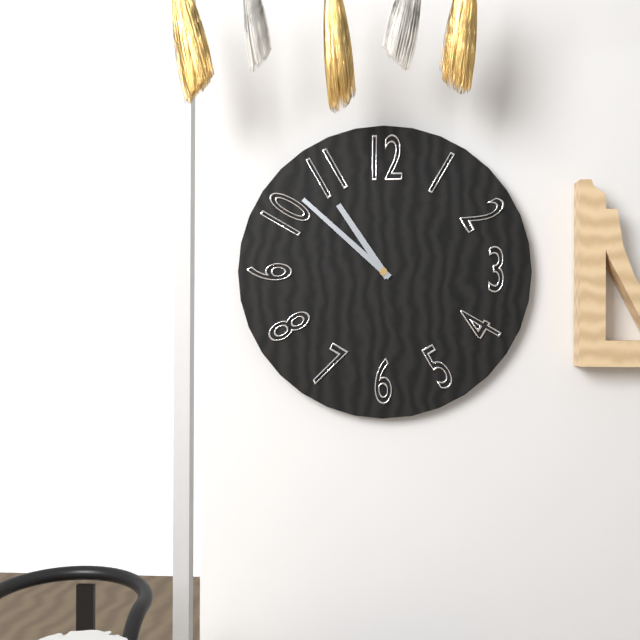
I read {"hour": 10, "minute": 52}
